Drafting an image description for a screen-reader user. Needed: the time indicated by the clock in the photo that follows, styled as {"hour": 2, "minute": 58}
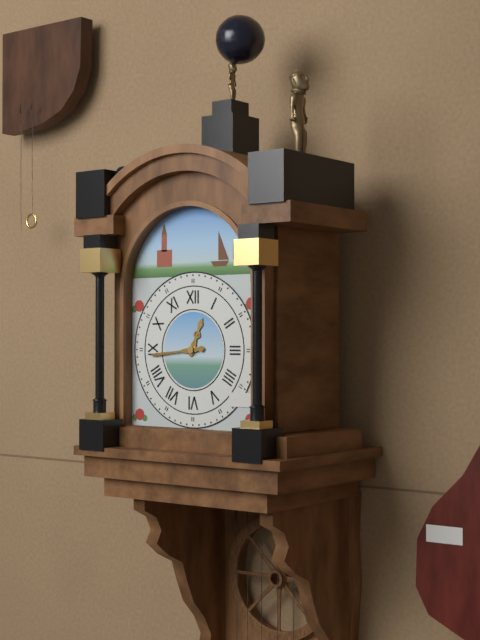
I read {"hour": 12, "minute": 44}
